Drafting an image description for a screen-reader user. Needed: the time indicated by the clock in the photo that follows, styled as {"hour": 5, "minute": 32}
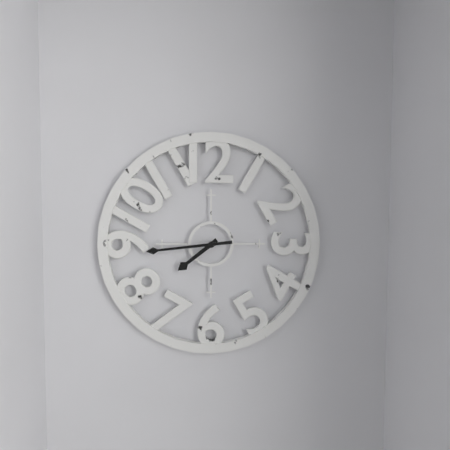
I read {"hour": 7, "minute": 44}
